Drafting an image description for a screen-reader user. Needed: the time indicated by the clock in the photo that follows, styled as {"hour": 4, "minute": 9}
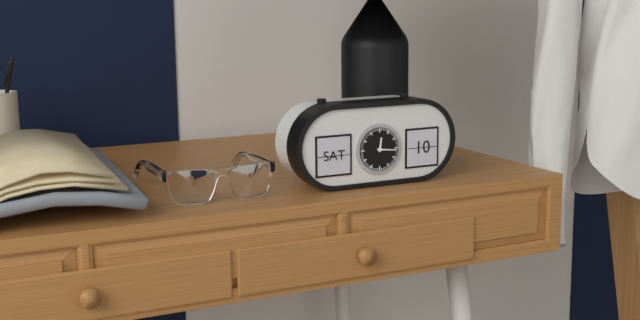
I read {"hour": 12, "minute": 16}
